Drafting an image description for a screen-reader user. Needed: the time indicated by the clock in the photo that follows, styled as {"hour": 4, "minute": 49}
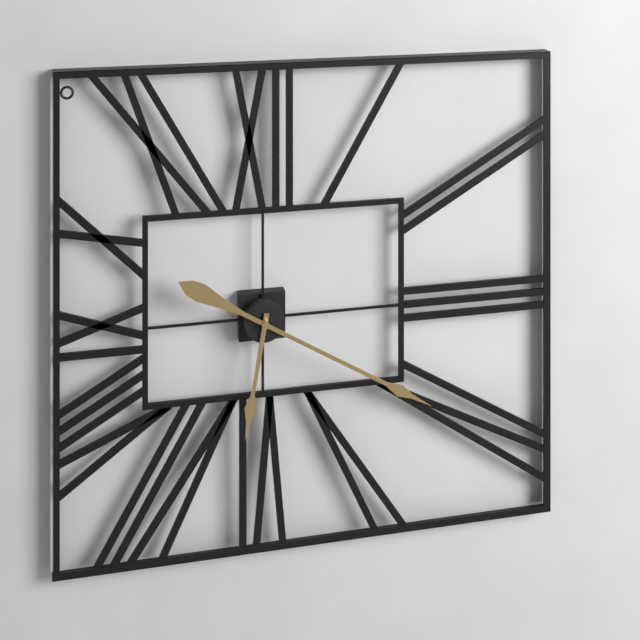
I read {"hour": 6, "minute": 20}
